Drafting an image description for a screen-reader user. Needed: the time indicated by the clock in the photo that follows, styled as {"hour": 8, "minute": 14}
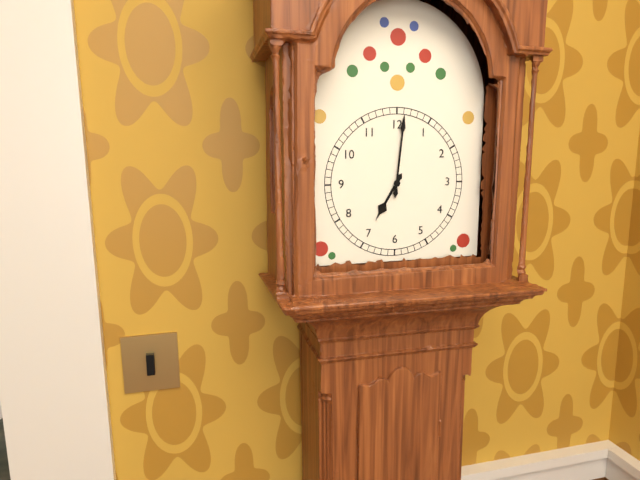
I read {"hour": 7, "minute": 1}
